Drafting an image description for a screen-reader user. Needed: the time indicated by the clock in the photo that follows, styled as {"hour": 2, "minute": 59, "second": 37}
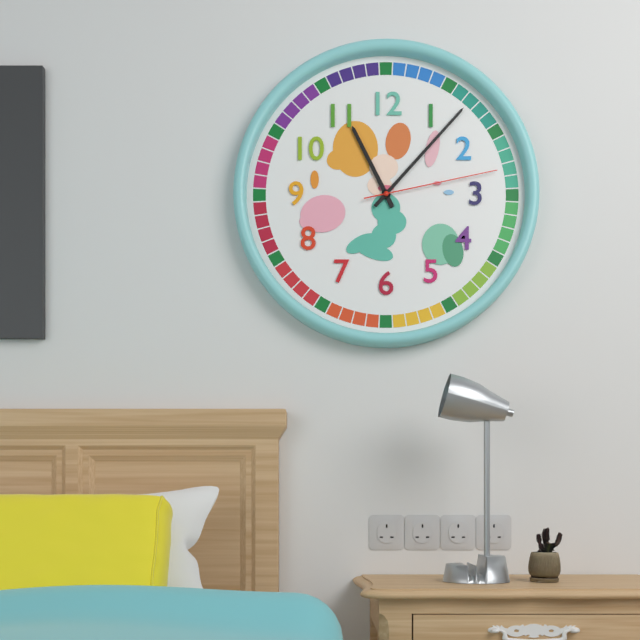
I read {"hour": 11, "minute": 7, "second": 13}
